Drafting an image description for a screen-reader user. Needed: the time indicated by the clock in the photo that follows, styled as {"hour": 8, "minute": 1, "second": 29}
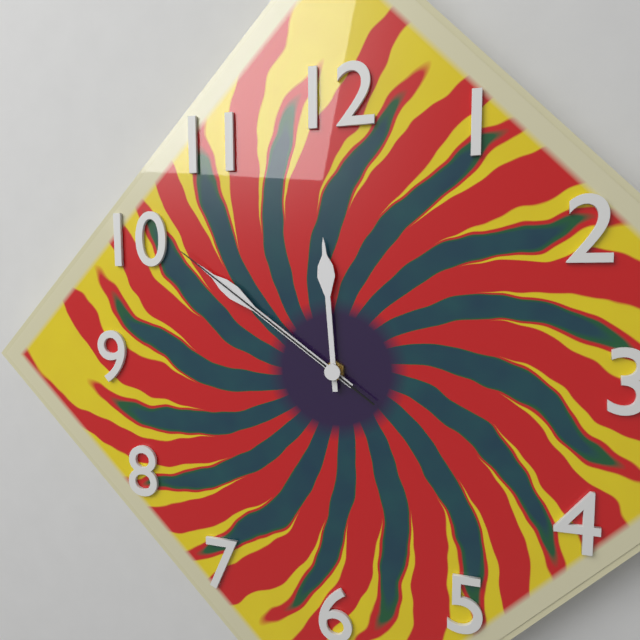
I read {"hour": 11, "minute": 51, "second": 51}
